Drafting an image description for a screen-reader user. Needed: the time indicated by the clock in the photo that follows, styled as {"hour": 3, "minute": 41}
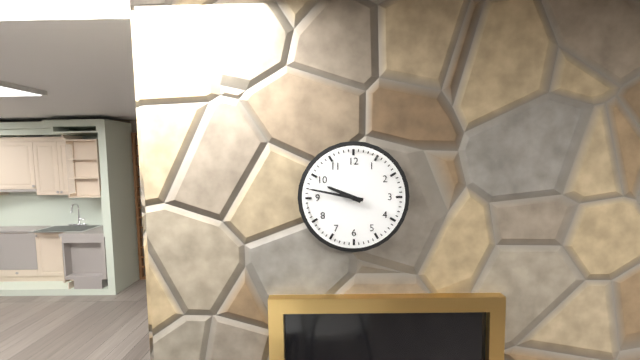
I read {"hour": 9, "minute": 47}
